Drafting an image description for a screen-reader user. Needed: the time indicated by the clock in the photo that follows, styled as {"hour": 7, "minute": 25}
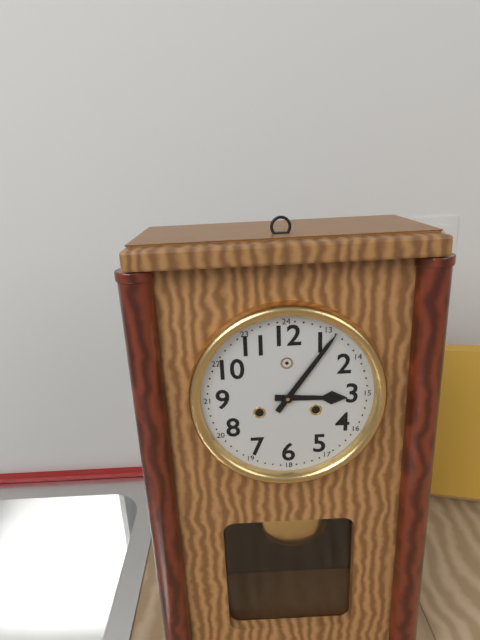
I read {"hour": 3, "minute": 6}
